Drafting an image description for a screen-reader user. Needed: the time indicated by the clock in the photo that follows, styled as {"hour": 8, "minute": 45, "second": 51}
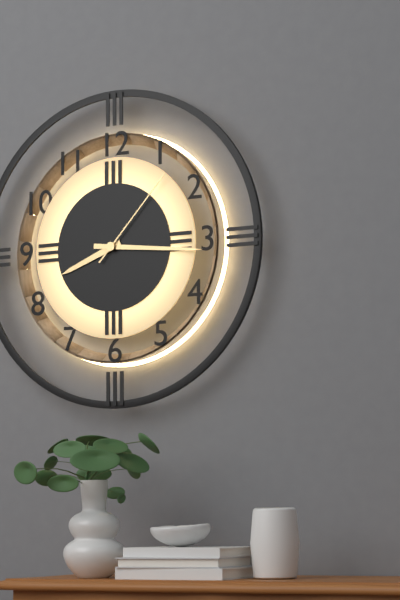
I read {"hour": 8, "minute": 16, "second": 7}
